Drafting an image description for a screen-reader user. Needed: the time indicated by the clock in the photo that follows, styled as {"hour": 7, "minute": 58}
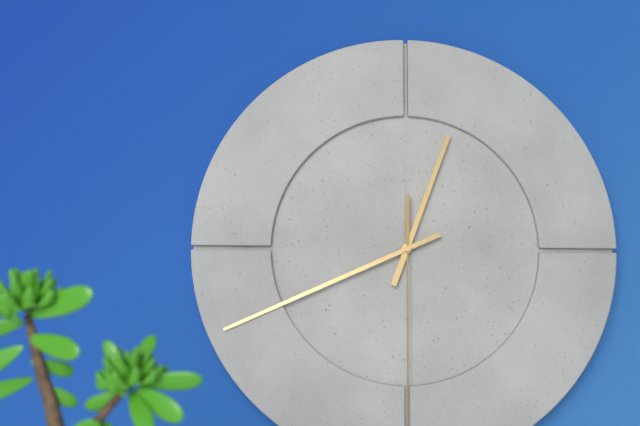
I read {"hour": 12, "minute": 41}
